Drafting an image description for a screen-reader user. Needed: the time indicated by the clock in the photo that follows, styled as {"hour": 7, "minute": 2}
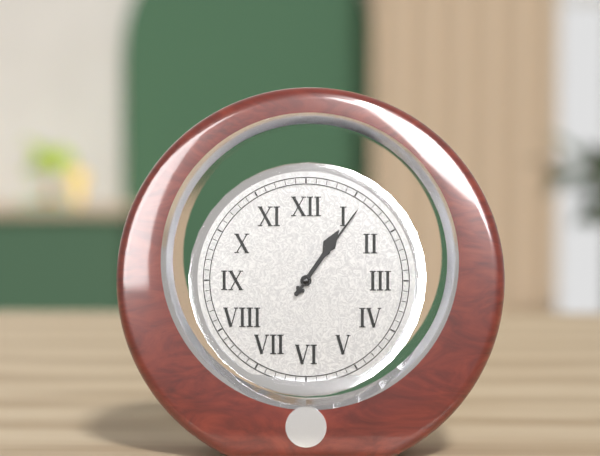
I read {"hour": 1, "minute": 6}
